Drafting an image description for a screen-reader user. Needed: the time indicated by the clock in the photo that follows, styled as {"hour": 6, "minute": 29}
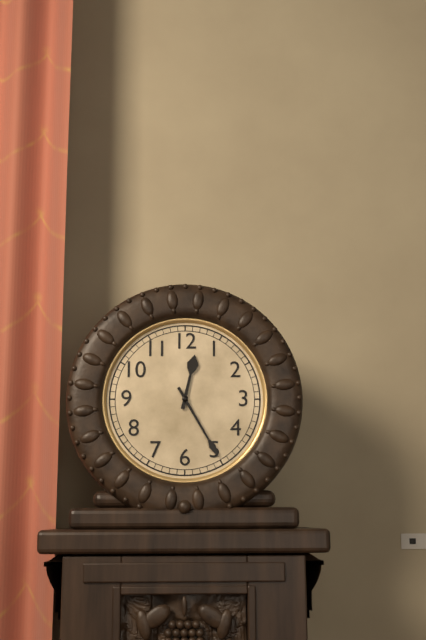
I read {"hour": 12, "minute": 25}
